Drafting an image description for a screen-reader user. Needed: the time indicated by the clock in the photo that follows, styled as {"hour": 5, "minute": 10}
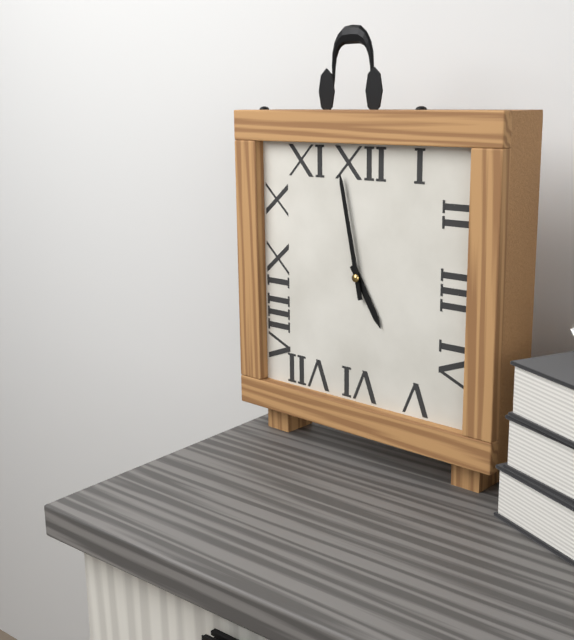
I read {"hour": 4, "minute": 58}
